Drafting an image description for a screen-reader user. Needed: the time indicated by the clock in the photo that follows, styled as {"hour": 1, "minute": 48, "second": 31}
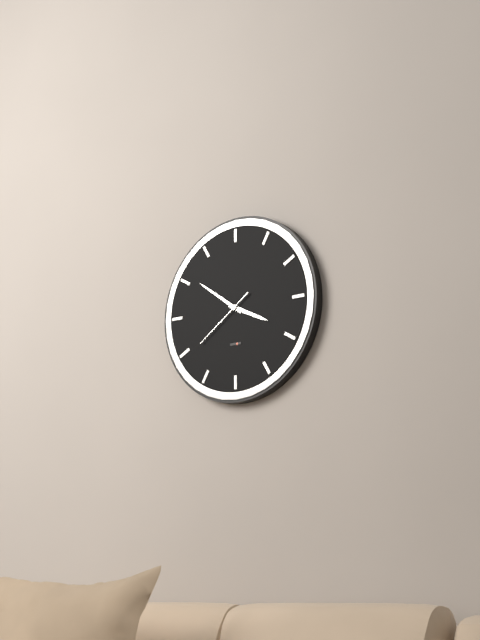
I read {"hour": 3, "minute": 51, "second": 39}
